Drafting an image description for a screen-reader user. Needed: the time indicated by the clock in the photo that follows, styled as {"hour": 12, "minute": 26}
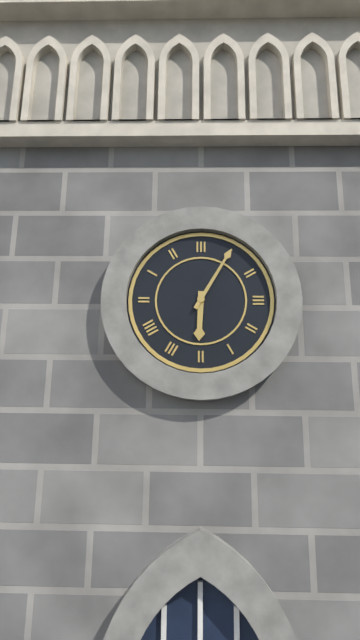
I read {"hour": 6, "minute": 5}
